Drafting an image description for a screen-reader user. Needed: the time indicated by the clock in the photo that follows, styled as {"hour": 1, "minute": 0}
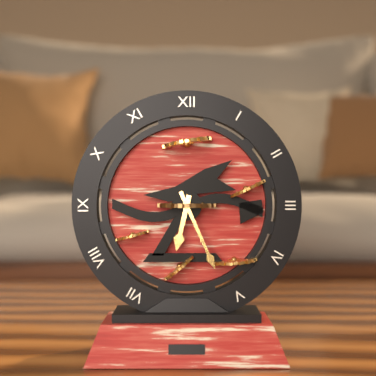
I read {"hour": 6, "minute": 26}
